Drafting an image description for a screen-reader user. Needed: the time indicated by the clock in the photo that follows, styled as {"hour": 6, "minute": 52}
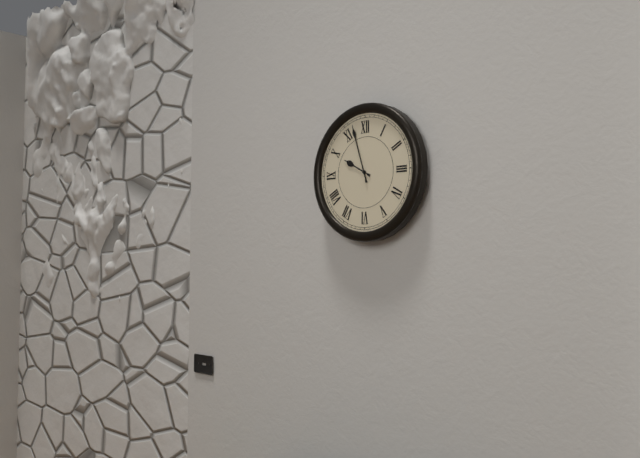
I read {"hour": 9, "minute": 57}
